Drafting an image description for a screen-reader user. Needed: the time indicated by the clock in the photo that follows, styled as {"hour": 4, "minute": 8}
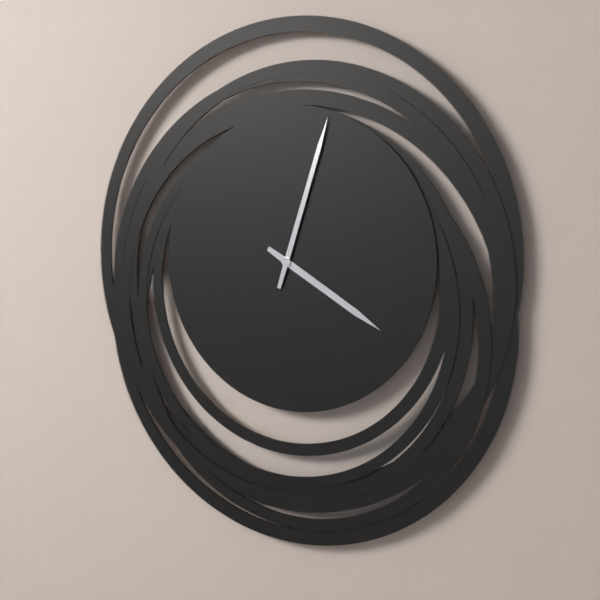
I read {"hour": 4, "minute": 3}
